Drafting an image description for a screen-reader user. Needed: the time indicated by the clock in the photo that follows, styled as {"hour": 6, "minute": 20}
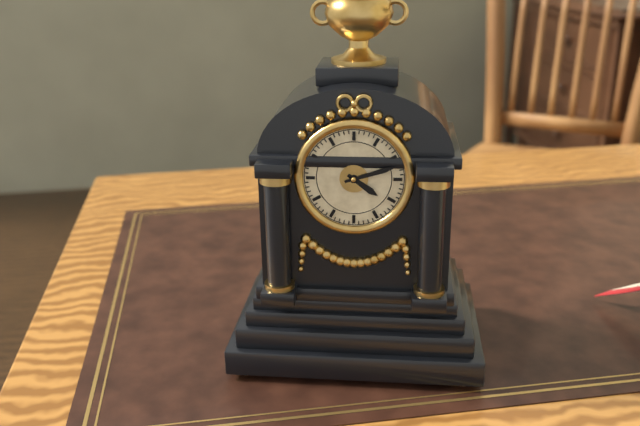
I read {"hour": 4, "minute": 12}
